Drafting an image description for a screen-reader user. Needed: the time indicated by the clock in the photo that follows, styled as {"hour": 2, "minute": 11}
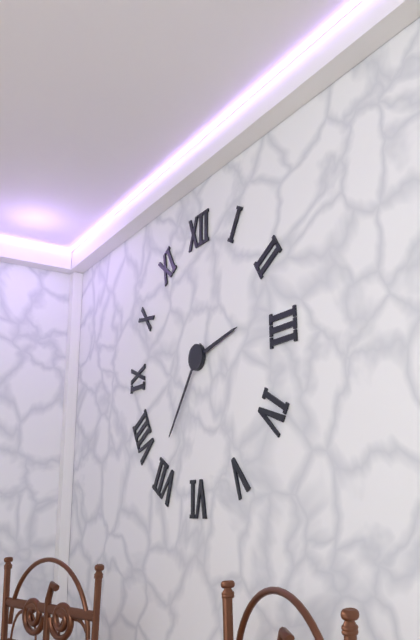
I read {"hour": 2, "minute": 36}
